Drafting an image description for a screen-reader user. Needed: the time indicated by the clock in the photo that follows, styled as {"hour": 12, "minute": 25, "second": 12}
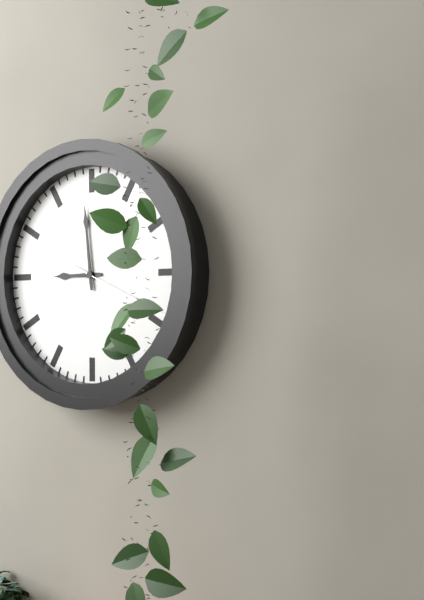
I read {"hour": 8, "minute": 59, "second": 19}
